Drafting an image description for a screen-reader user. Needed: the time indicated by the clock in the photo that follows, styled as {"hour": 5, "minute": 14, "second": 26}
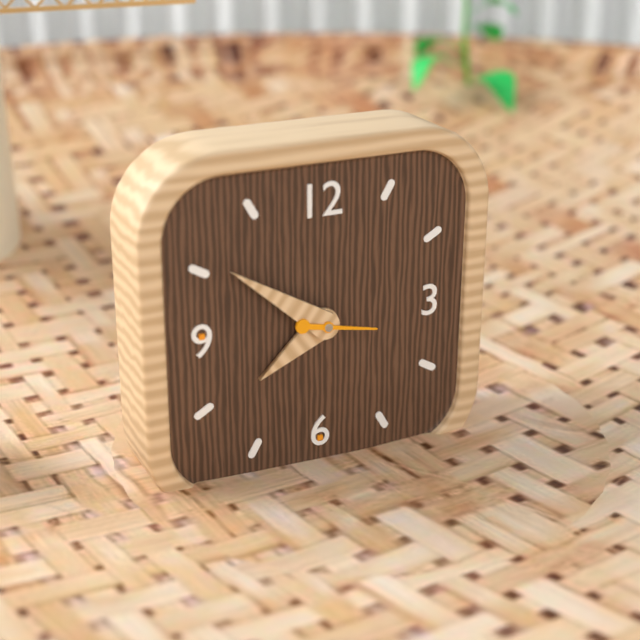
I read {"hour": 7, "minute": 51, "second": 17}
